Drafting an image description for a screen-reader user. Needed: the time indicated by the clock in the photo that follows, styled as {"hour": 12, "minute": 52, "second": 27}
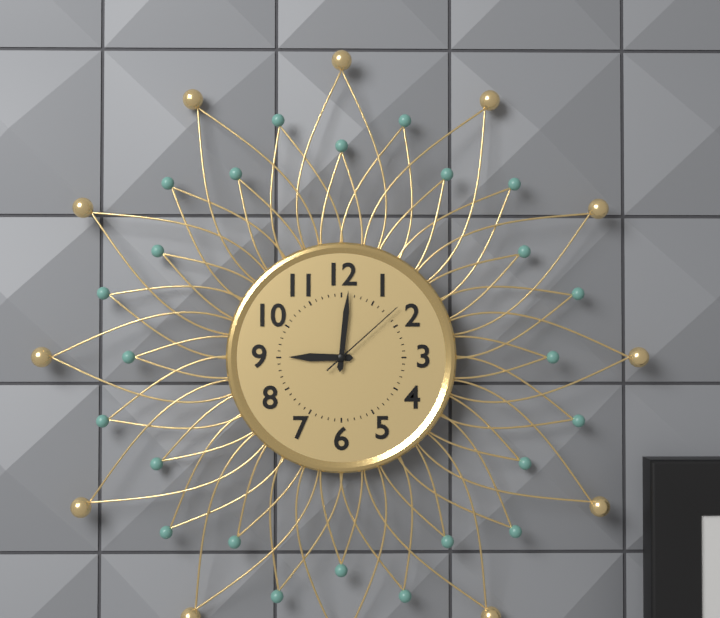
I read {"hour": 9, "minute": 1, "second": 8}
